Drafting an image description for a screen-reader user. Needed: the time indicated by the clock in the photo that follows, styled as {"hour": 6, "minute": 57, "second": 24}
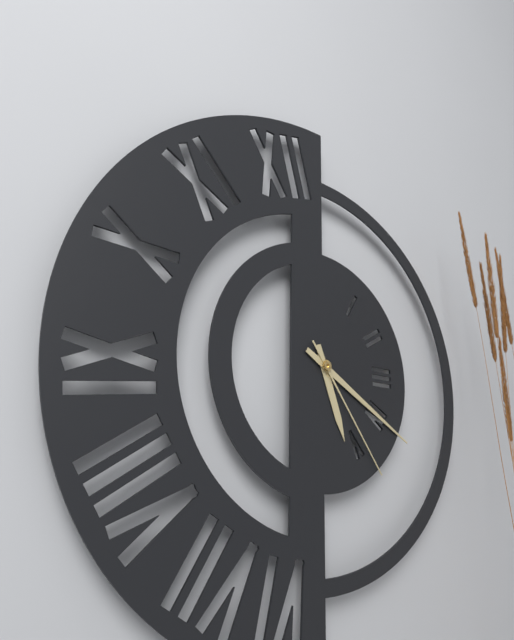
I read {"hour": 5, "minute": 20, "second": 24}
